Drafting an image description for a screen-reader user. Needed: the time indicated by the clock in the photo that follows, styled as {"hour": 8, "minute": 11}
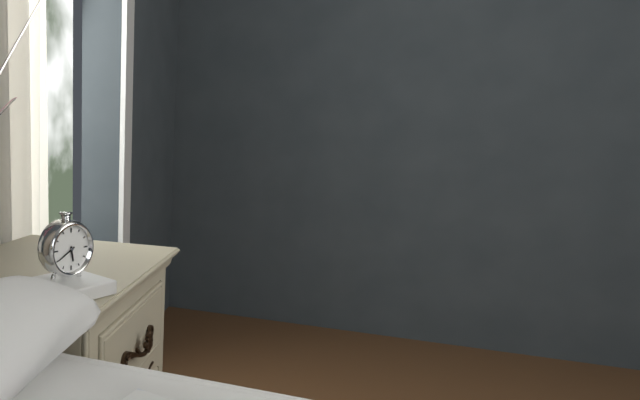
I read {"hour": 5, "minute": 40}
